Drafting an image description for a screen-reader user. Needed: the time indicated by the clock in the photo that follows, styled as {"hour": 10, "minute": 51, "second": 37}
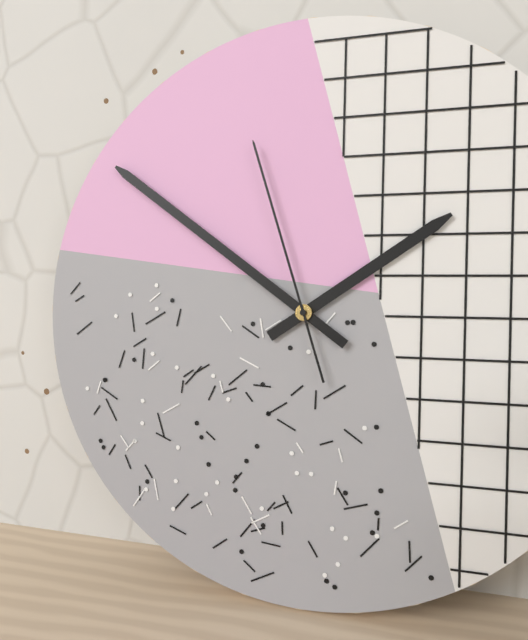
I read {"hour": 1, "minute": 51, "second": 57}
